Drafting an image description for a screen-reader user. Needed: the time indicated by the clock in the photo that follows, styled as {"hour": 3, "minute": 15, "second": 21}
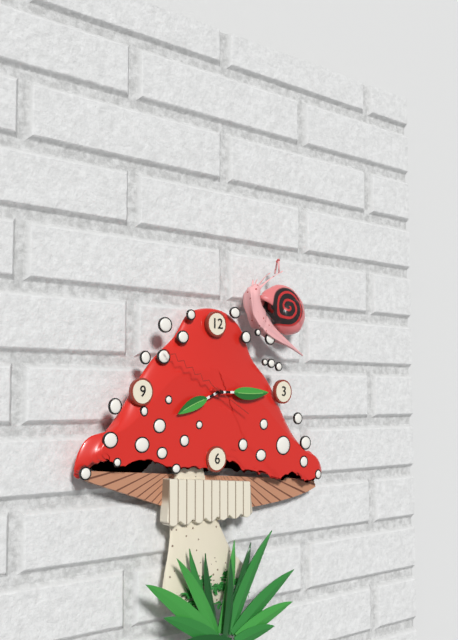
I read {"hour": 8, "minute": 15, "second": 50}
